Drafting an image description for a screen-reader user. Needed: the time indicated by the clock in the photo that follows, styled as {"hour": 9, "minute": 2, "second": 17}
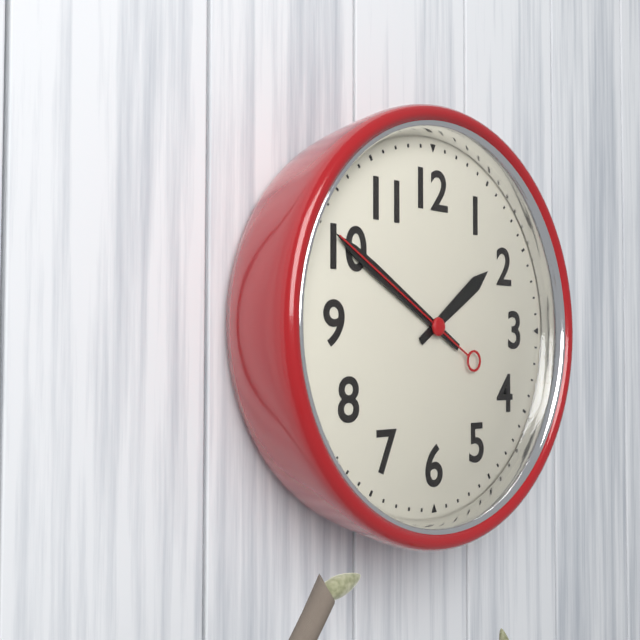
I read {"hour": 1, "minute": 50, "second": 50}
